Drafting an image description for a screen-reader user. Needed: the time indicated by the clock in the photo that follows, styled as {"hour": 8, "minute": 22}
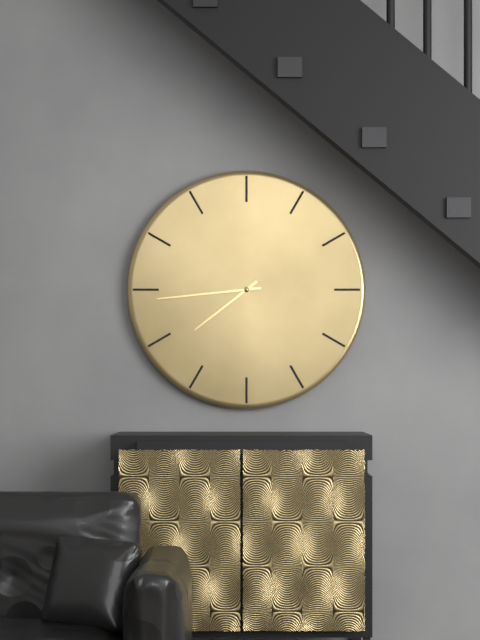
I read {"hour": 7, "minute": 44}
